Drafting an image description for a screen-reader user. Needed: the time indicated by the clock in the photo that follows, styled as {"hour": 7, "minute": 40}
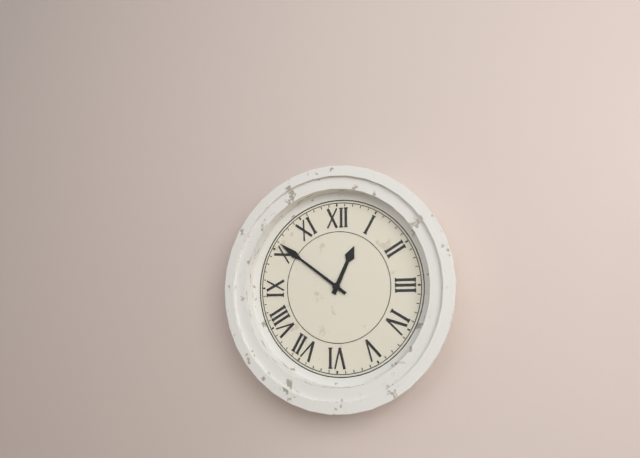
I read {"hour": 12, "minute": 51}
